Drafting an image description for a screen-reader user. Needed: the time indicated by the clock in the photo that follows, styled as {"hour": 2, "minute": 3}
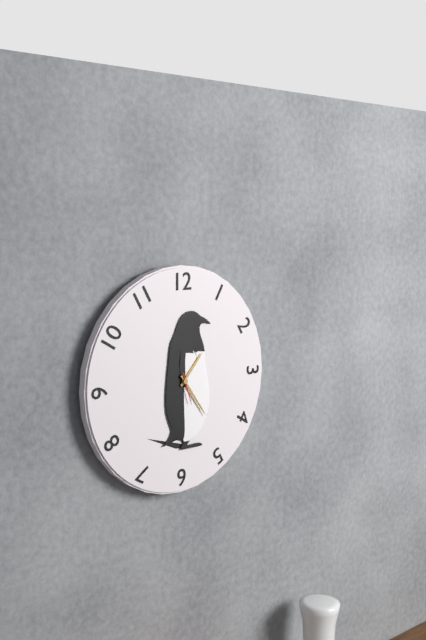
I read {"hour": 1, "minute": 24}
